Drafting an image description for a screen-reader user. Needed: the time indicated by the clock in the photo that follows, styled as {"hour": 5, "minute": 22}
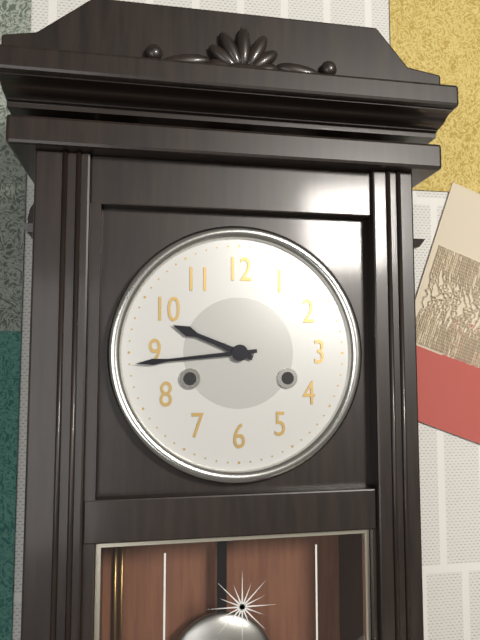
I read {"hour": 9, "minute": 44}
